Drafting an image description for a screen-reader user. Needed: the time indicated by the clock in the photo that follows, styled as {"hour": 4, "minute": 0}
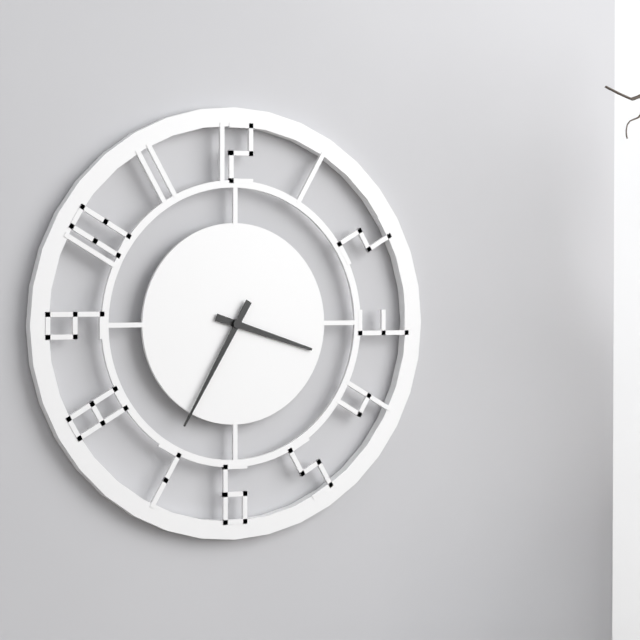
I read {"hour": 3, "minute": 35}
